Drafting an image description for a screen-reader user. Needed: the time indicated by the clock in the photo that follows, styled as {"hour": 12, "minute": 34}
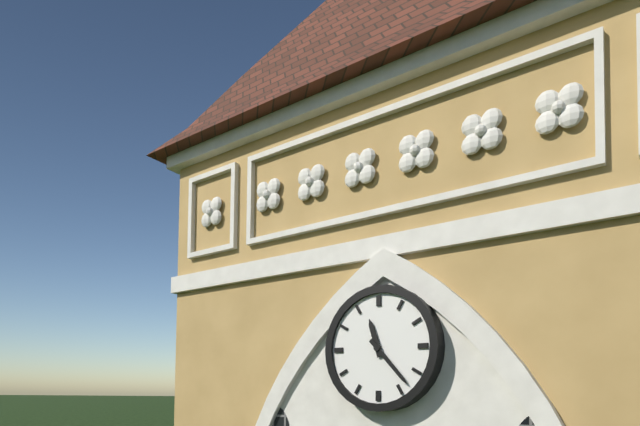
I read {"hour": 11, "minute": 23}
